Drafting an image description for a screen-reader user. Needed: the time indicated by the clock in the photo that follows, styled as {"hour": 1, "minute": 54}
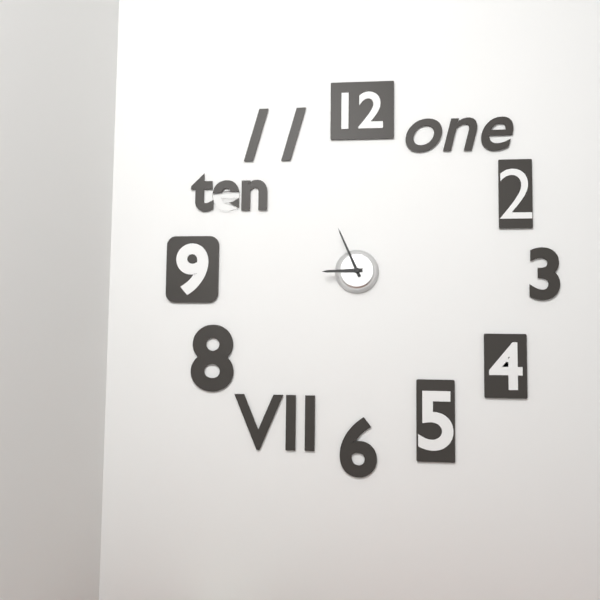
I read {"hour": 8, "minute": 56}
